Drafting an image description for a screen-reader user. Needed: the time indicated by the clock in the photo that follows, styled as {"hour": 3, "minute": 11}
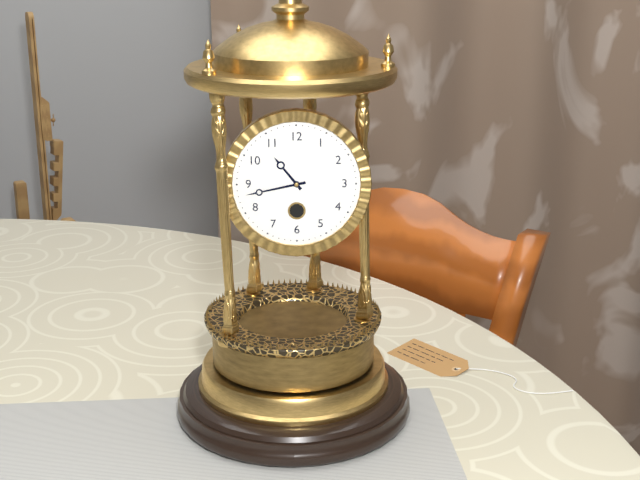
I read {"hour": 10, "minute": 43}
